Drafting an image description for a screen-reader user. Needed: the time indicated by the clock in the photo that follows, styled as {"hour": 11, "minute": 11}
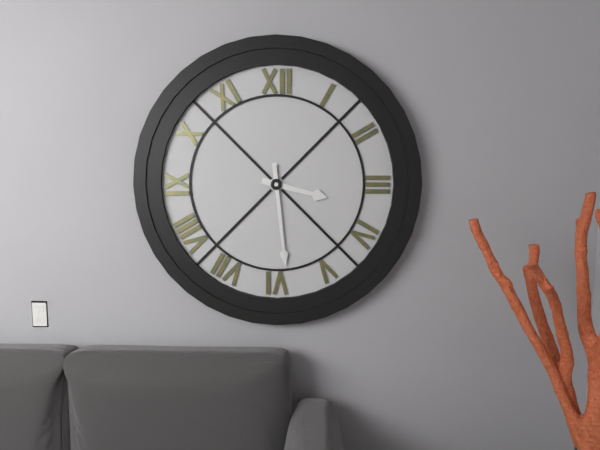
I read {"hour": 3, "minute": 29}
